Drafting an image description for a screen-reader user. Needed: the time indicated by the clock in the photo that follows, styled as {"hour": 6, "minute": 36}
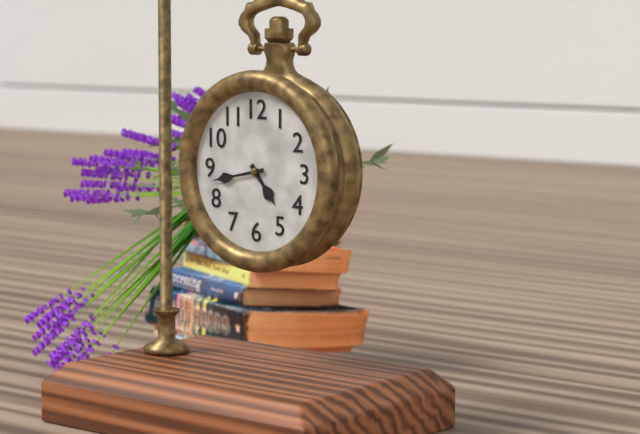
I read {"hour": 4, "minute": 43}
